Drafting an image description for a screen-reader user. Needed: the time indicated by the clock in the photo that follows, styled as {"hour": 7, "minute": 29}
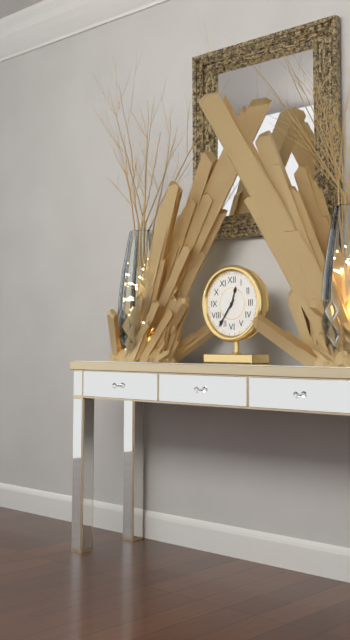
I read {"hour": 12, "minute": 36}
